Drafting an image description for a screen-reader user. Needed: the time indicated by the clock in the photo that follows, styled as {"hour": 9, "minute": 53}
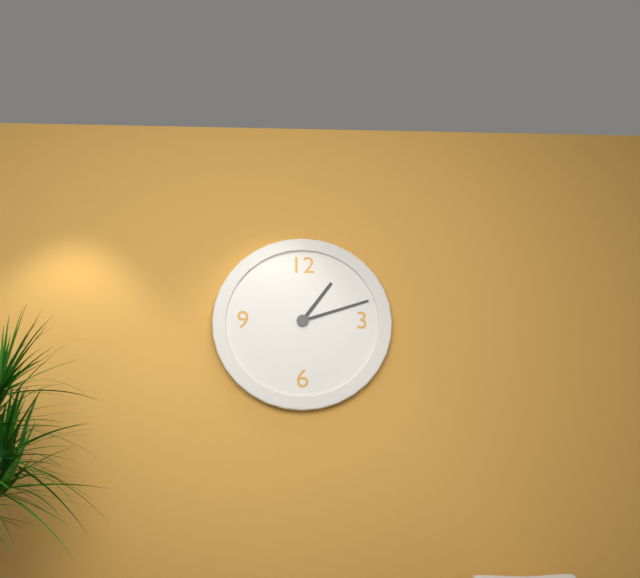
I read {"hour": 1, "minute": 12}
